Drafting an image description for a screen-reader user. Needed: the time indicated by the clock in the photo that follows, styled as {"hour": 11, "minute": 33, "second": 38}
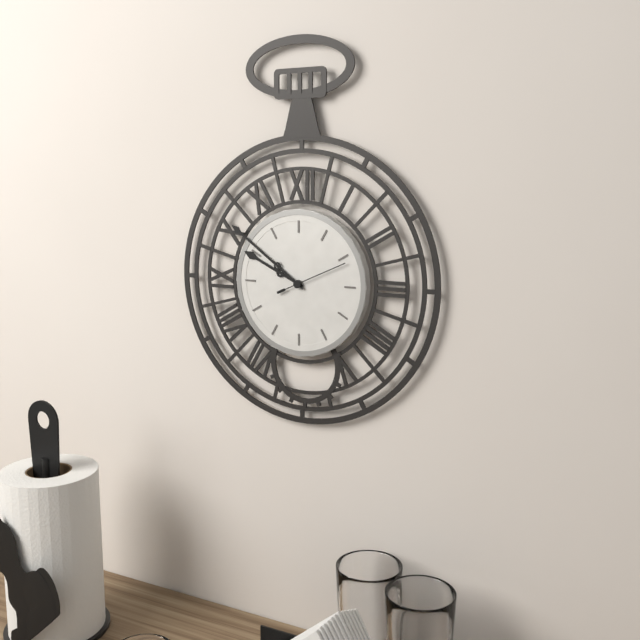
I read {"hour": 9, "minute": 51, "second": 11}
